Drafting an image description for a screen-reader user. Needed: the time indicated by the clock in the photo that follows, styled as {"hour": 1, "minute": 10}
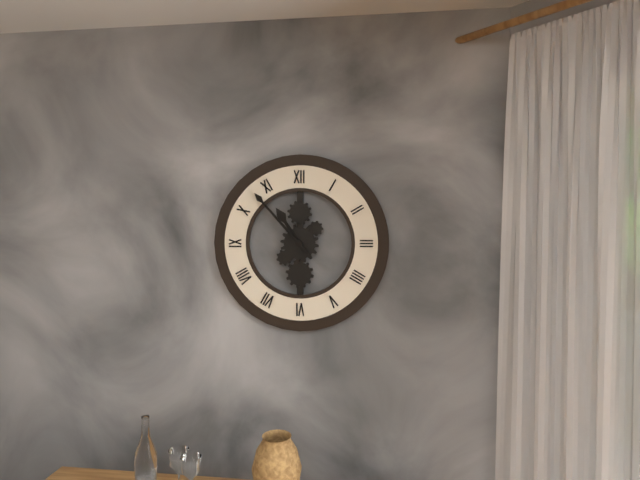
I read {"hour": 10, "minute": 53}
